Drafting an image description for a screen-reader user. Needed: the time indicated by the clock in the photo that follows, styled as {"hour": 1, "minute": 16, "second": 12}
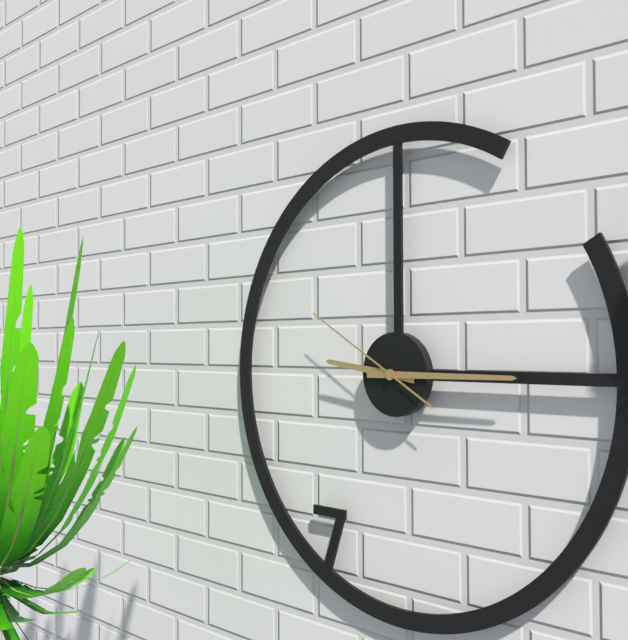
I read {"hour": 9, "minute": 15, "second": 50}
